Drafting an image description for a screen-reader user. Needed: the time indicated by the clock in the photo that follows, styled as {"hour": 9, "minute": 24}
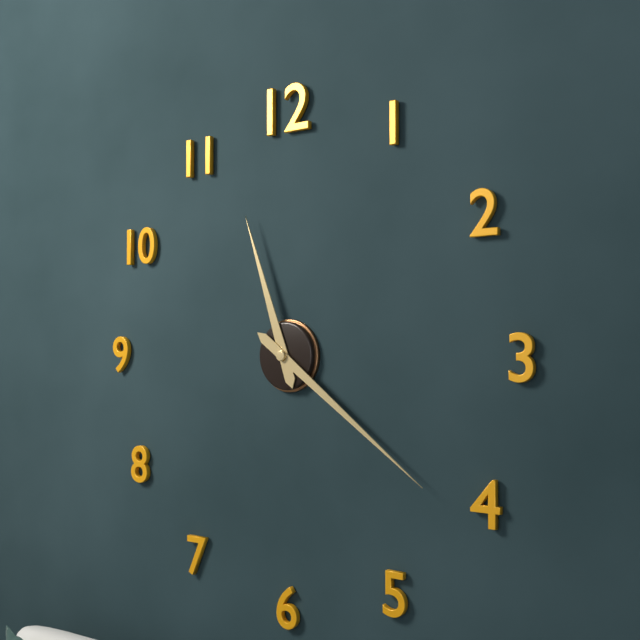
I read {"hour": 11, "minute": 21}
